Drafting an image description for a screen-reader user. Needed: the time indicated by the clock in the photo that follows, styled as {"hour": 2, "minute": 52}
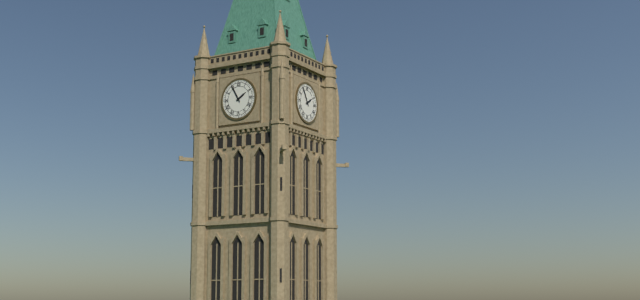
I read {"hour": 1, "minute": 55}
